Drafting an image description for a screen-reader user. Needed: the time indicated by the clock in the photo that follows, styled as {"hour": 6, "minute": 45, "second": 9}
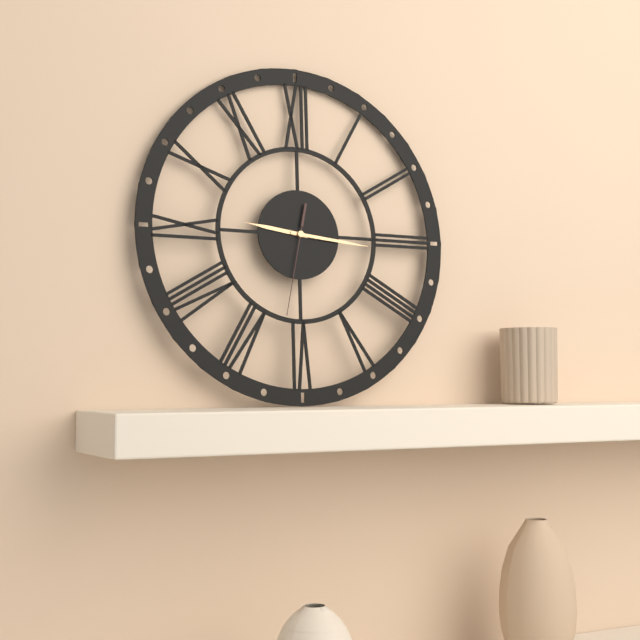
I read {"hour": 9, "minute": 16, "second": 32}
